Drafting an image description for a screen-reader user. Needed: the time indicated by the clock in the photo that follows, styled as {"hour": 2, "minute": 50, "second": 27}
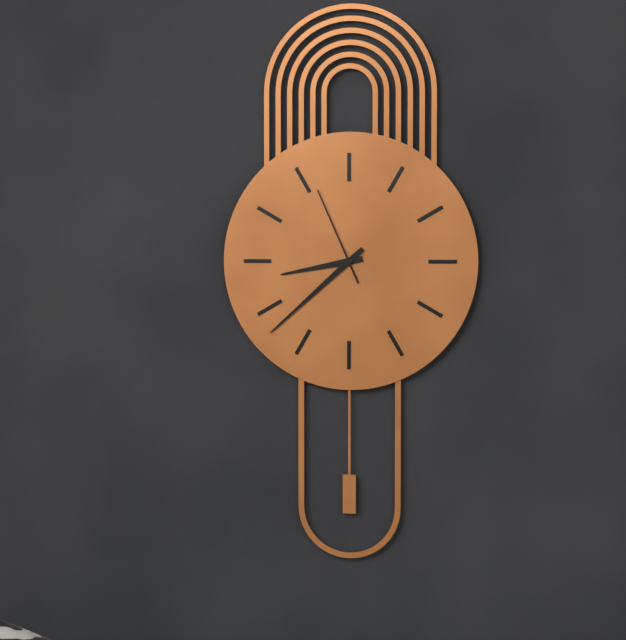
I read {"hour": 8, "minute": 38, "second": 56}
